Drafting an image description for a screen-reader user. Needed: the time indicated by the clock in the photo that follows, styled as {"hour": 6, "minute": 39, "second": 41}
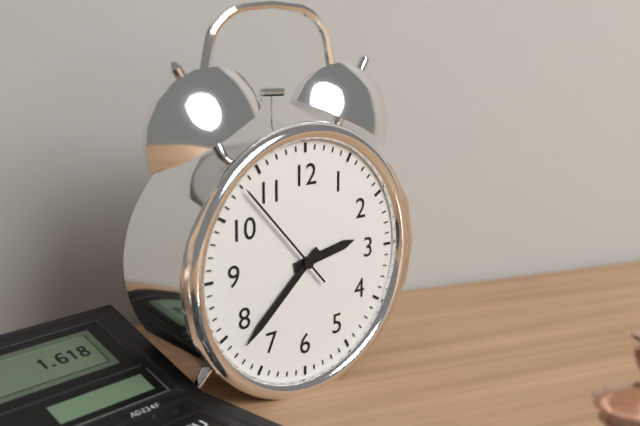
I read {"hour": 2, "minute": 38, "second": 53}
